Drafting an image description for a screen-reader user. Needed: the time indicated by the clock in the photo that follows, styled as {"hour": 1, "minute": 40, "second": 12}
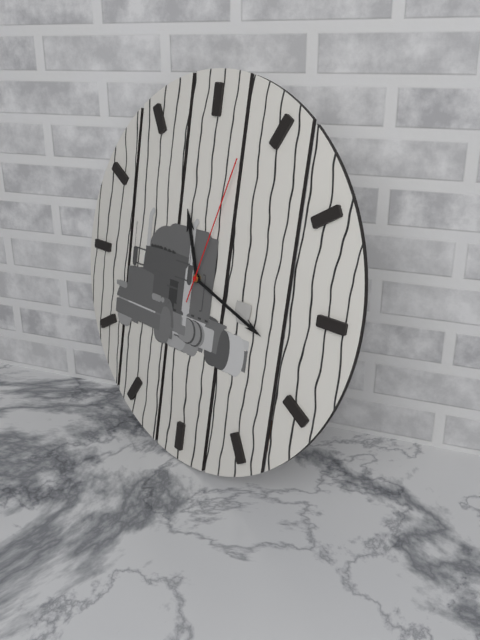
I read {"hour": 11, "minute": 18, "second": 3}
